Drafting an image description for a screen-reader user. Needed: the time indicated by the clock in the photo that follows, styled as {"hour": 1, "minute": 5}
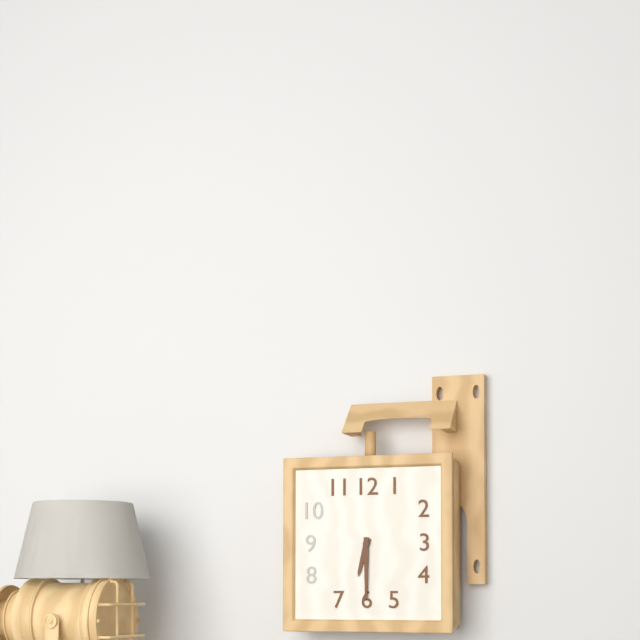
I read {"hour": 6, "minute": 30}
